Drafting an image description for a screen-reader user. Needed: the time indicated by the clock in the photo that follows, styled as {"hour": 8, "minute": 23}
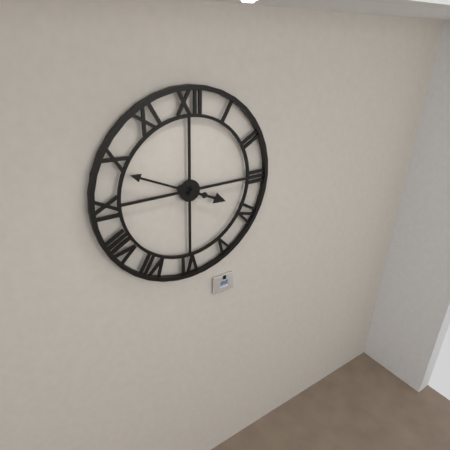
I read {"hour": 3, "minute": 49}
